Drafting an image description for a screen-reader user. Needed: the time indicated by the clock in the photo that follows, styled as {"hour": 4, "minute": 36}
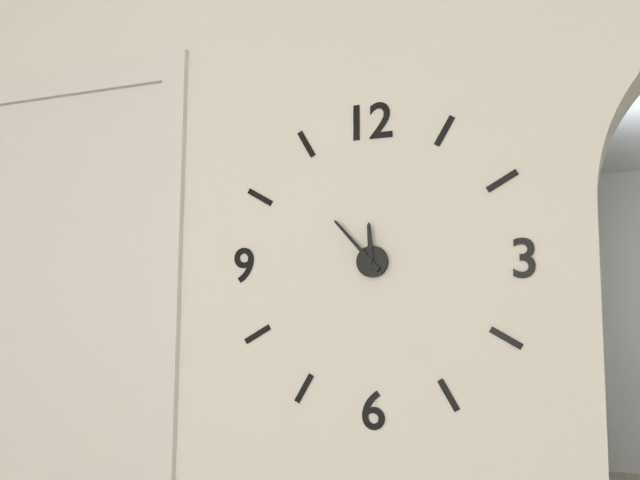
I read {"hour": 11, "minute": 53}
